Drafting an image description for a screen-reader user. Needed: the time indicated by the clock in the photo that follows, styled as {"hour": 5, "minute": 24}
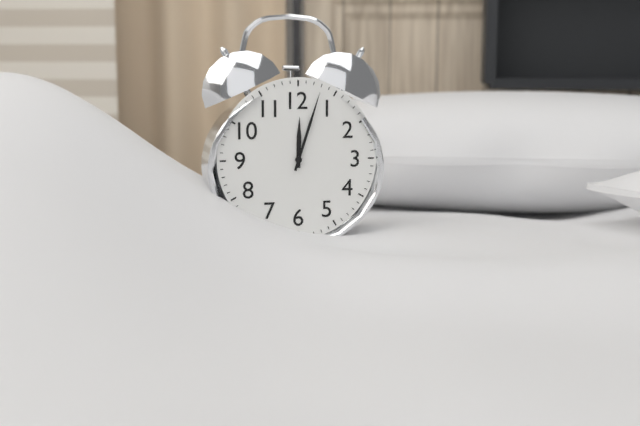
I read {"hour": 12, "minute": 3}
